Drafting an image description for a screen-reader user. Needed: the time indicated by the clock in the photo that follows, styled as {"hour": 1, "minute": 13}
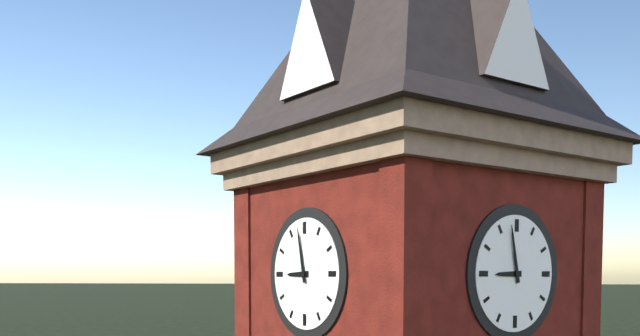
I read {"hour": 8, "minute": 58}
